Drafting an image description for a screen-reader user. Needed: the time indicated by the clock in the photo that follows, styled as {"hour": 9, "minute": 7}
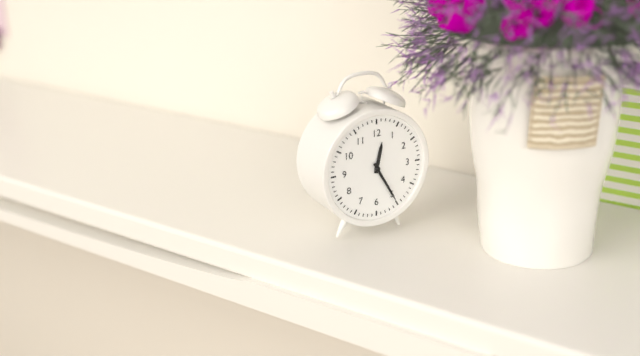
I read {"hour": 12, "minute": 25}
